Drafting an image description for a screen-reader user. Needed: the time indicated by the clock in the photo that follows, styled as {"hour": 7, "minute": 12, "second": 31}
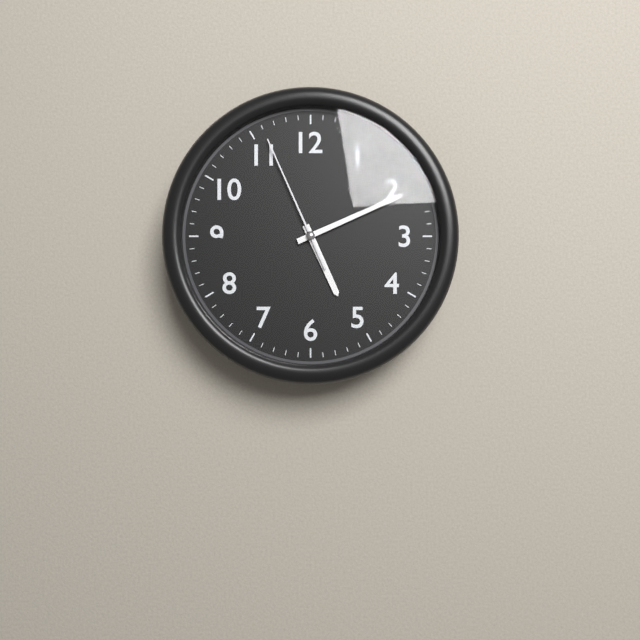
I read {"hour": 5, "minute": 11, "second": 56}
